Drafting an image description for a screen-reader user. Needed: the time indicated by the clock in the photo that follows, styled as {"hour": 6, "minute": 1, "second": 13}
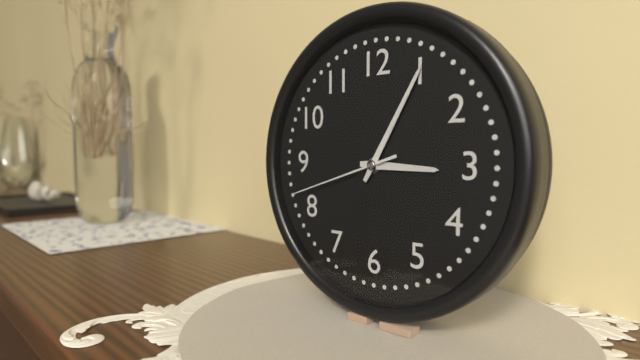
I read {"hour": 3, "minute": 5, "second": 42}
